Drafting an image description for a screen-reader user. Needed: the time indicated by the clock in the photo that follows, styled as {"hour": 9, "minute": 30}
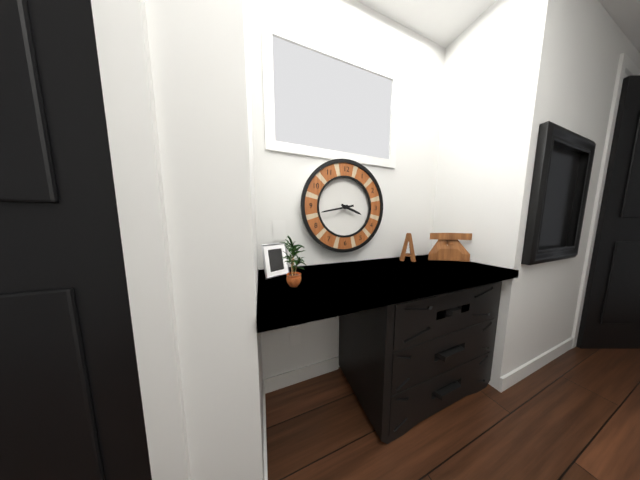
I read {"hour": 3, "minute": 43}
